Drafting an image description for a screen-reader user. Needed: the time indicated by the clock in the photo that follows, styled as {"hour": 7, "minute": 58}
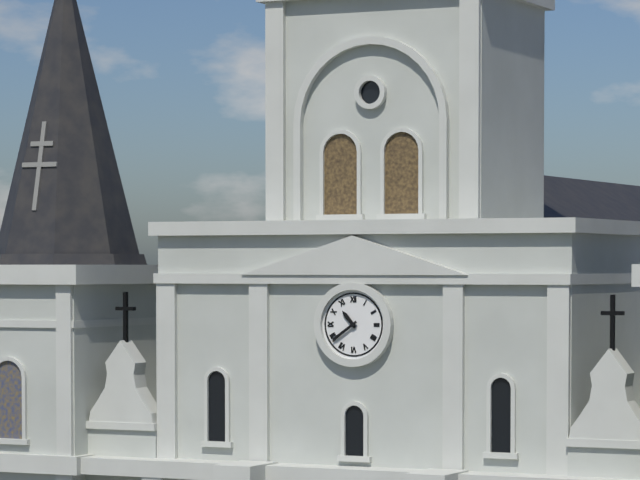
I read {"hour": 10, "minute": 39}
